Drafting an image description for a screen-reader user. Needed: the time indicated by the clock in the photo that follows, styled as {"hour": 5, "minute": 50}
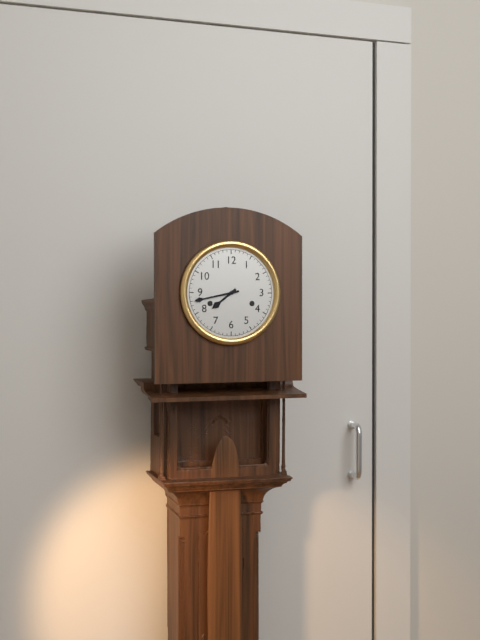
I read {"hour": 7, "minute": 43}
